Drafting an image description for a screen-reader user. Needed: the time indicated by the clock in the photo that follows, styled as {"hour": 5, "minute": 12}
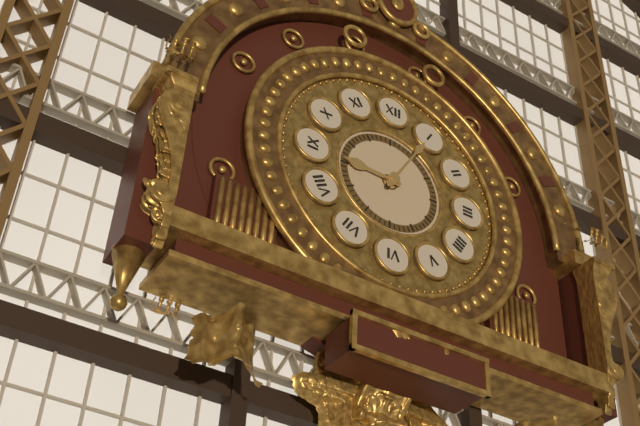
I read {"hour": 9, "minute": 5}
